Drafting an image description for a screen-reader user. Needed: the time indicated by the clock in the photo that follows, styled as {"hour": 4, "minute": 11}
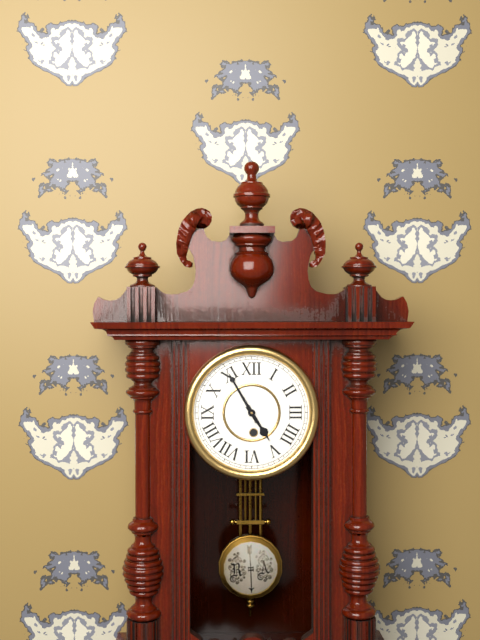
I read {"hour": 4, "minute": 55}
